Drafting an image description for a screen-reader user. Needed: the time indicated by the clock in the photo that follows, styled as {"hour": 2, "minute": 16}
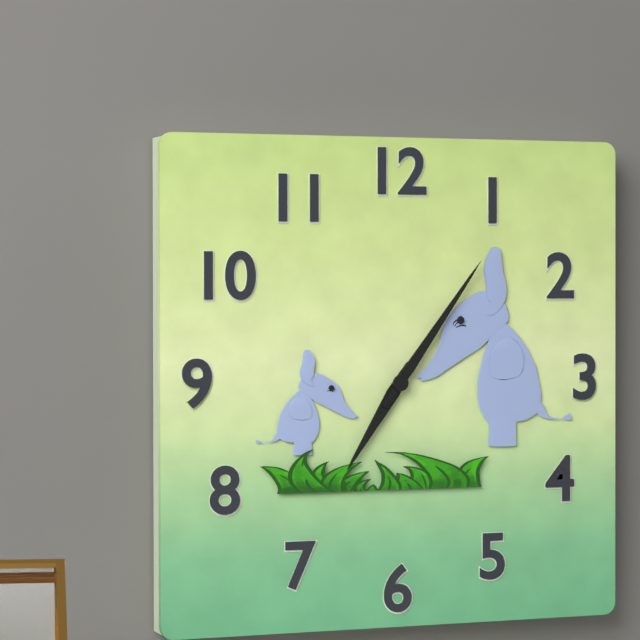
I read {"hour": 7, "minute": 6}
